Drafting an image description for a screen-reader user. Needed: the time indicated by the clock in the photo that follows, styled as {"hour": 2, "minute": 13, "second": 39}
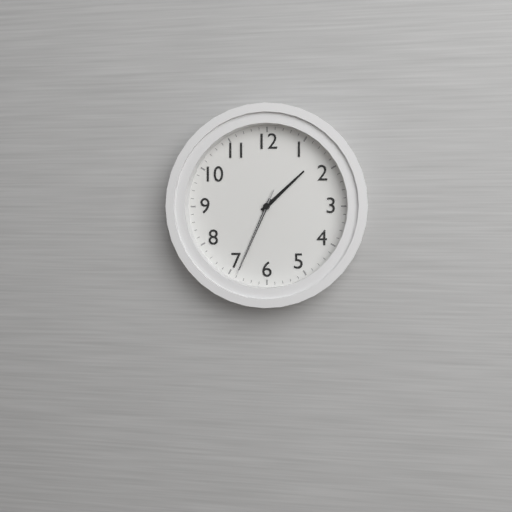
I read {"hour": 1, "minute": 34, "second": 34}
